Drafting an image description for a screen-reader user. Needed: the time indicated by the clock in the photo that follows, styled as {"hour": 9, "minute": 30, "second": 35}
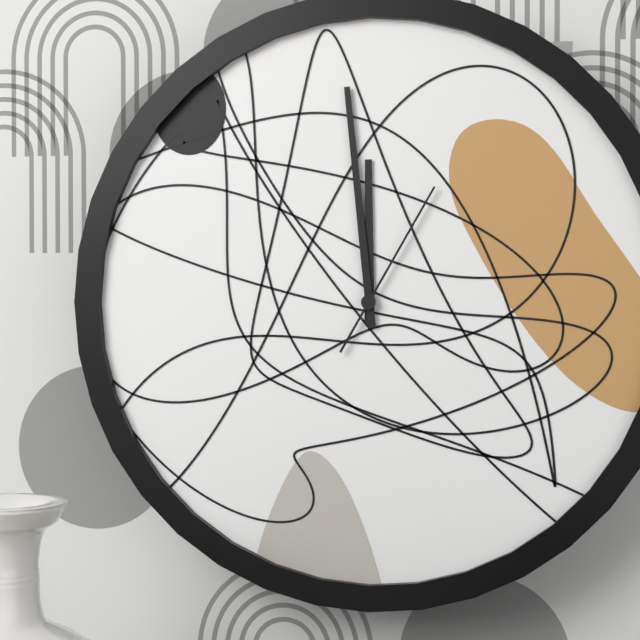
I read {"hour": 11, "minute": 59, "second": 5}
